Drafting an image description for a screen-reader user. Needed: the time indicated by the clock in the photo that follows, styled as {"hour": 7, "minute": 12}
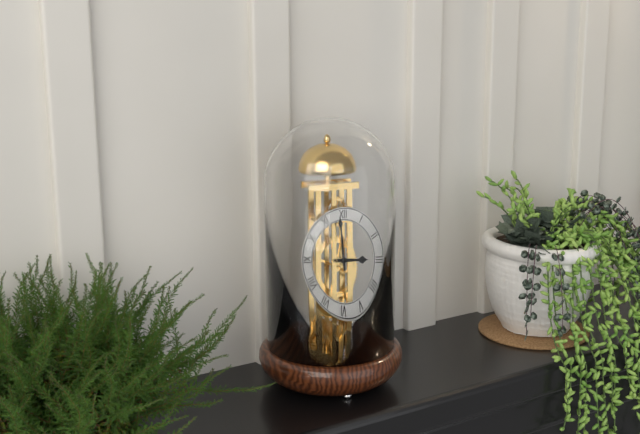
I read {"hour": 2, "minute": 59}
